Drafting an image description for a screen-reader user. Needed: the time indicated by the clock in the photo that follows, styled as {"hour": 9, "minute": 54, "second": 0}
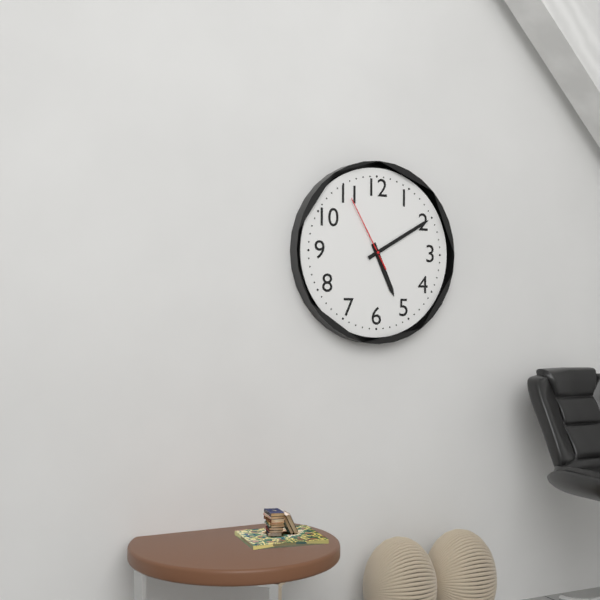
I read {"hour": 5, "minute": 10, "second": 55}
